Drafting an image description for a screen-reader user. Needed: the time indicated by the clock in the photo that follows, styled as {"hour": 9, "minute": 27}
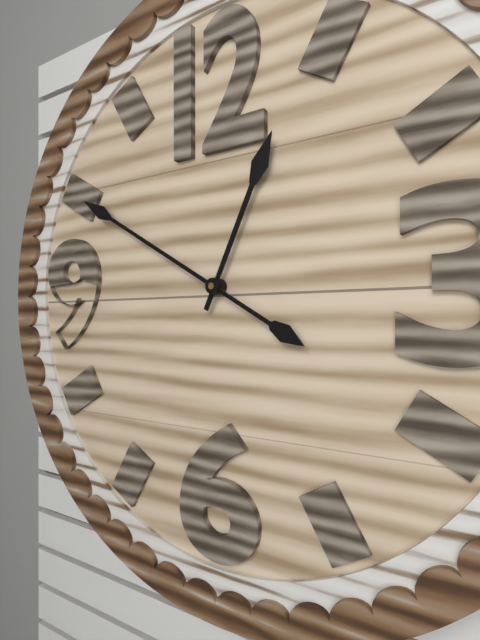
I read {"hour": 12, "minute": 50}
